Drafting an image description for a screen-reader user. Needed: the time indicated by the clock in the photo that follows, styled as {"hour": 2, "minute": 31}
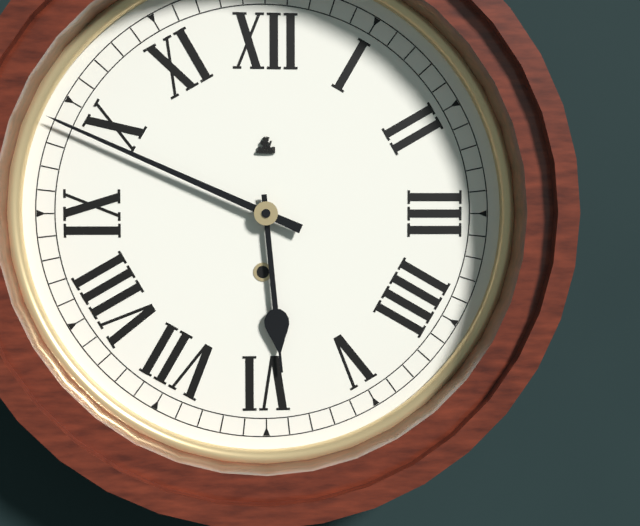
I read {"hour": 5, "minute": 49}
